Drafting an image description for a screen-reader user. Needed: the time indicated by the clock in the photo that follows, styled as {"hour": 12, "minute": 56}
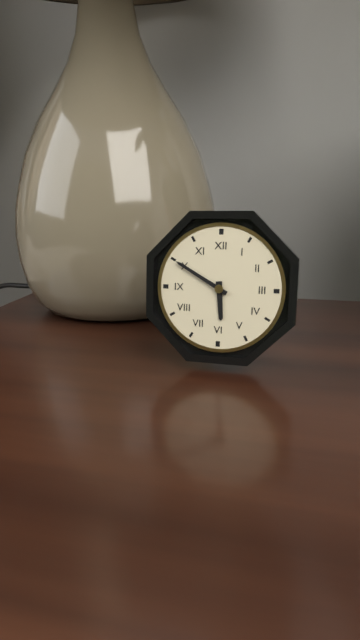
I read {"hour": 5, "minute": 50}
